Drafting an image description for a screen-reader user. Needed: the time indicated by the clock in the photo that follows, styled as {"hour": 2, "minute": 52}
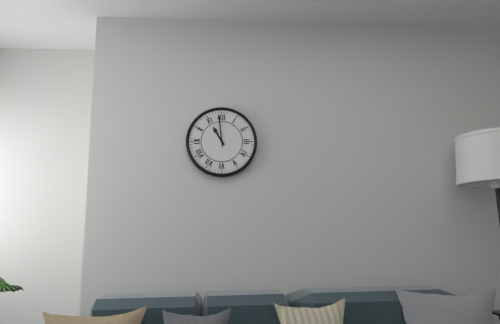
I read {"hour": 10, "minute": 59}
